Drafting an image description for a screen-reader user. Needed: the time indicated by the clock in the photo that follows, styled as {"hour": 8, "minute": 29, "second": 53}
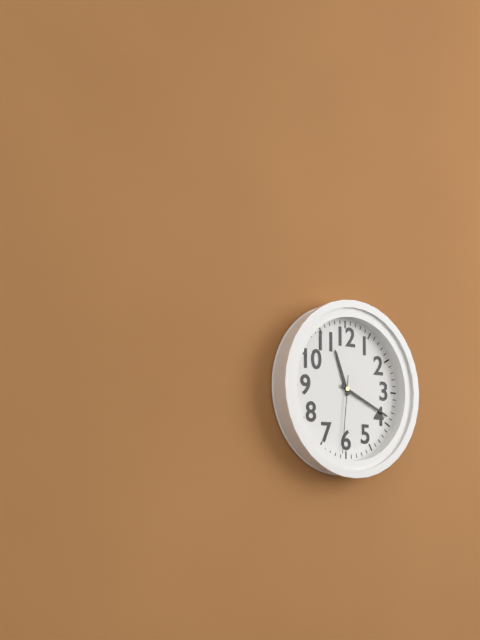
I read {"hour": 11, "minute": 19, "second": 31}
